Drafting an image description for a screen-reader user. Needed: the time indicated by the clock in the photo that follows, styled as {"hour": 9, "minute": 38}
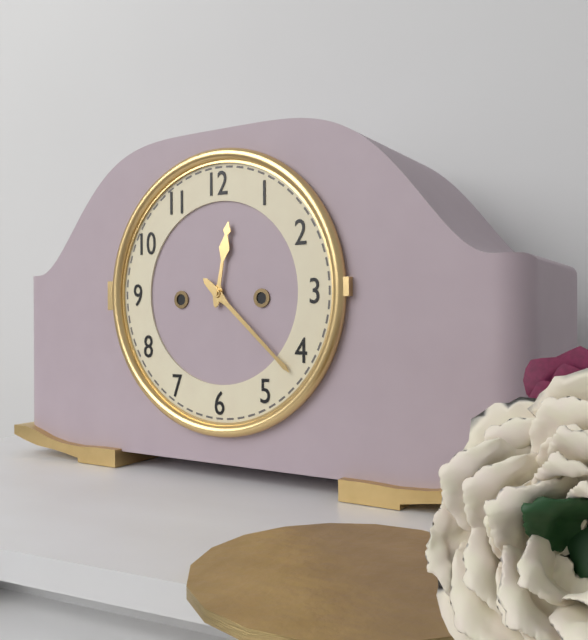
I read {"hour": 12, "minute": 22}
